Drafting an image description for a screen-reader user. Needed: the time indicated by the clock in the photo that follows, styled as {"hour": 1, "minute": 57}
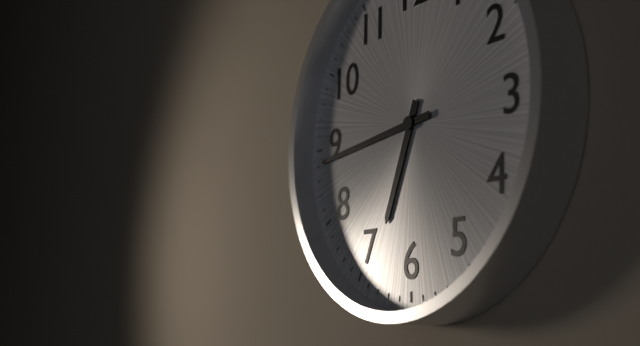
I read {"hour": 6, "minute": 44}
